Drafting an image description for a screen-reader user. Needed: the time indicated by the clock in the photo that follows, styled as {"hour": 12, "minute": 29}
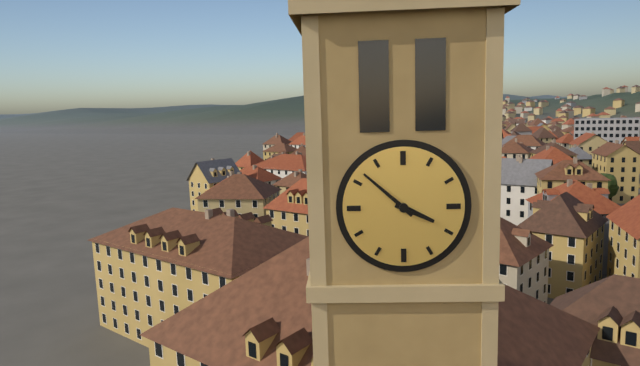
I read {"hour": 3, "minute": 52}
